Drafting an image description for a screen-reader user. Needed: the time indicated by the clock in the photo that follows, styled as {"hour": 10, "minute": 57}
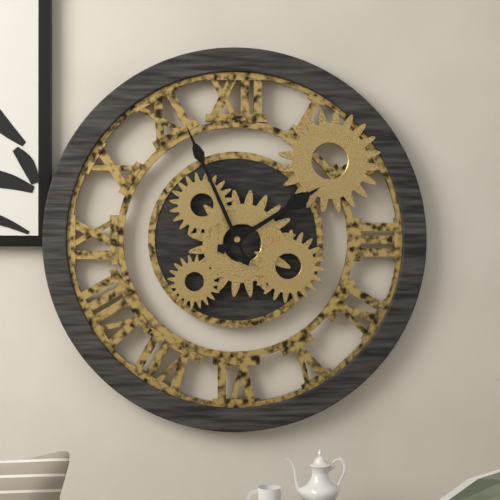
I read {"hour": 1, "minute": 56}
